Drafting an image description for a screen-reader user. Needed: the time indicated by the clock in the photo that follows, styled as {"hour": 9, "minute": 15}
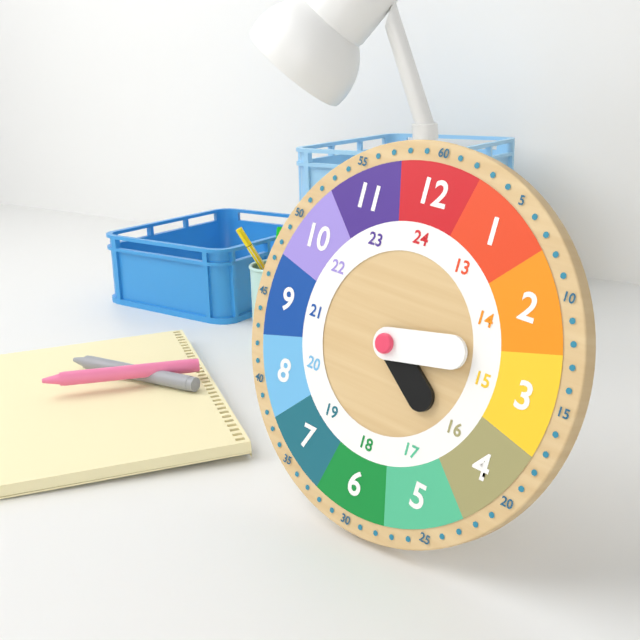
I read {"hour": 4, "minute": 13}
